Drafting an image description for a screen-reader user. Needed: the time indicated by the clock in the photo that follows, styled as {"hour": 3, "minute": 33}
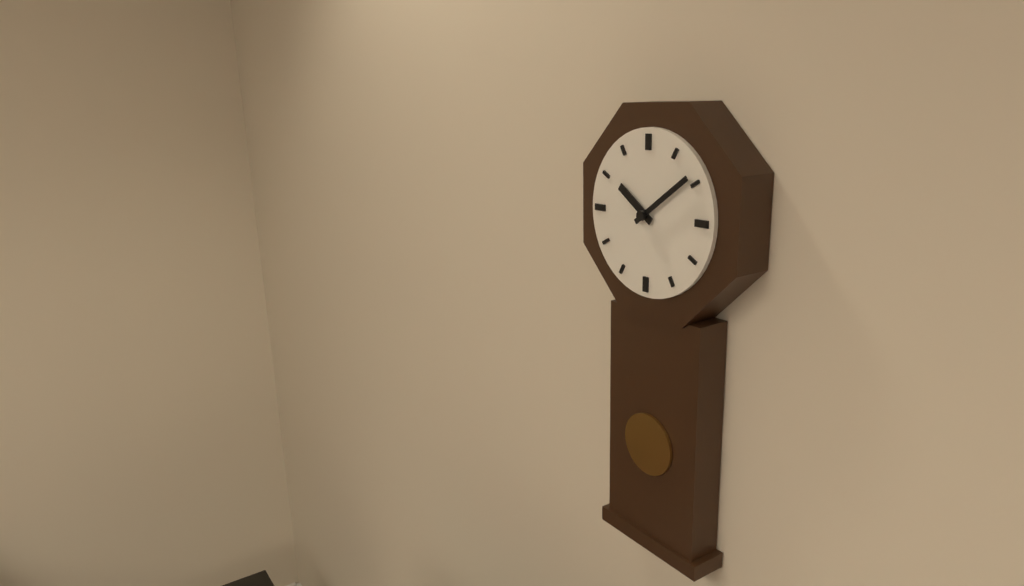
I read {"hour": 10, "minute": 9}
